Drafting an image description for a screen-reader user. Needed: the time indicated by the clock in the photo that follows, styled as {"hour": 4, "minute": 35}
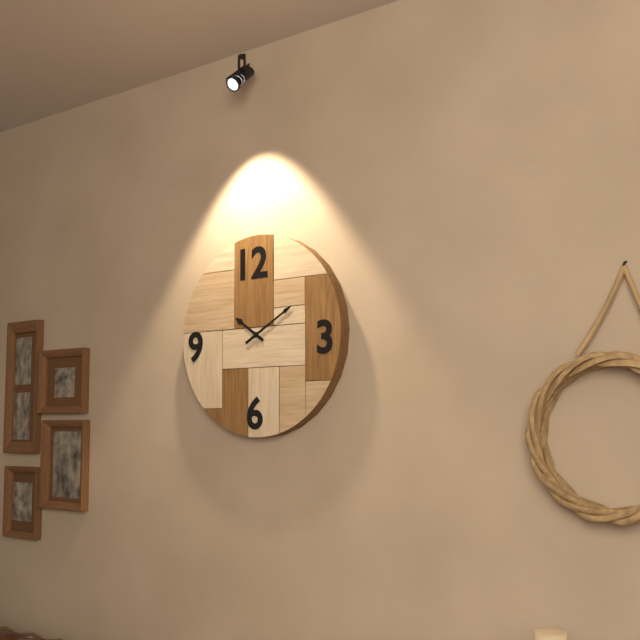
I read {"hour": 10, "minute": 10}
